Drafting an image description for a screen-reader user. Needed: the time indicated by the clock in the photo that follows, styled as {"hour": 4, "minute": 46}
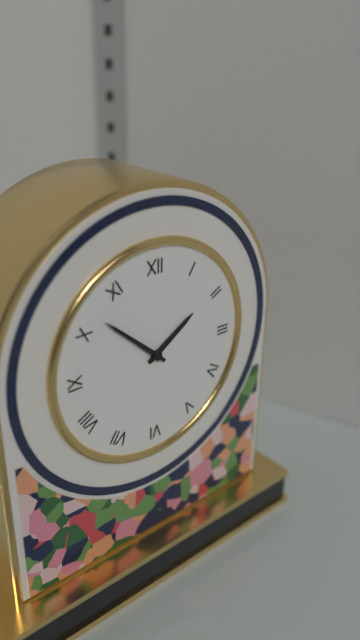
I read {"hour": 1, "minute": 52}
